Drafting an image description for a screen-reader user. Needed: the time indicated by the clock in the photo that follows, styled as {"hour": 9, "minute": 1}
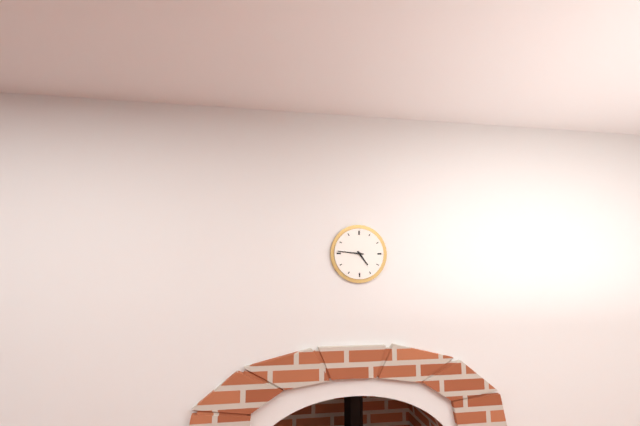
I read {"hour": 4, "minute": 46}
